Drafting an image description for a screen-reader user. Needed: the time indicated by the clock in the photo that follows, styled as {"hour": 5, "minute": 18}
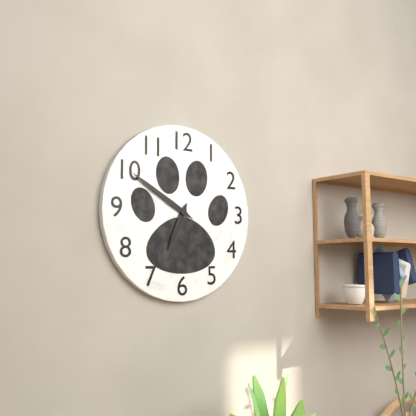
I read {"hour": 6, "minute": 50}
